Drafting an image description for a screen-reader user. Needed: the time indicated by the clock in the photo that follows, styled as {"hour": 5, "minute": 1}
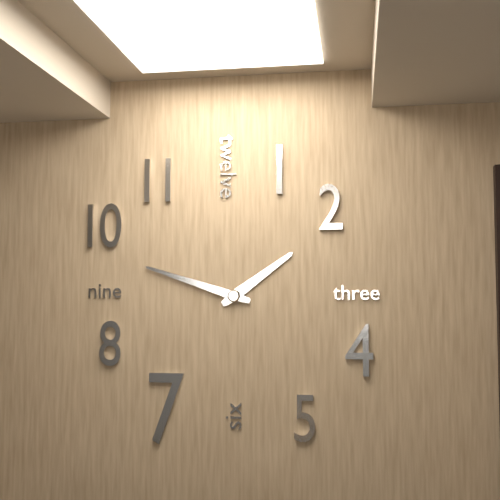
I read {"hour": 1, "minute": 48}
